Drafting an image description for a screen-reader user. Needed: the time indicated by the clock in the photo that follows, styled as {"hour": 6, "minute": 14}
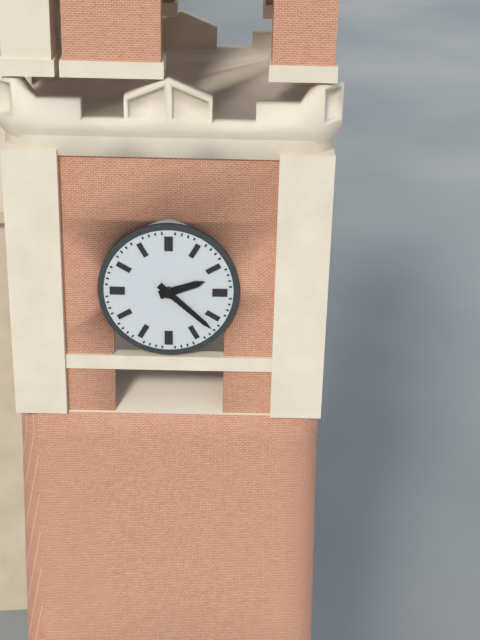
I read {"hour": 2, "minute": 22}
